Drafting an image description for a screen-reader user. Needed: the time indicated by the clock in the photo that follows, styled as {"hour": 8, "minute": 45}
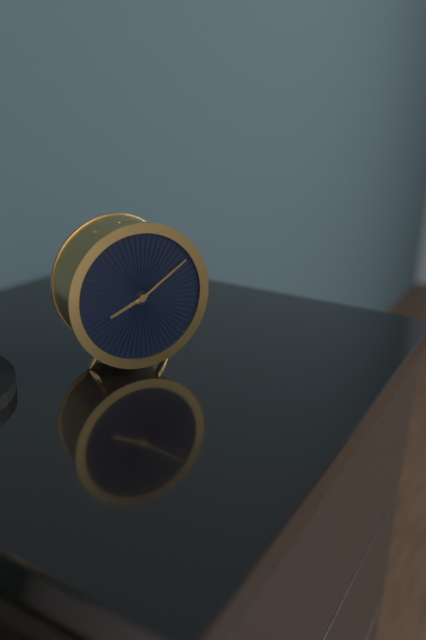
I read {"hour": 8, "minute": 9}
